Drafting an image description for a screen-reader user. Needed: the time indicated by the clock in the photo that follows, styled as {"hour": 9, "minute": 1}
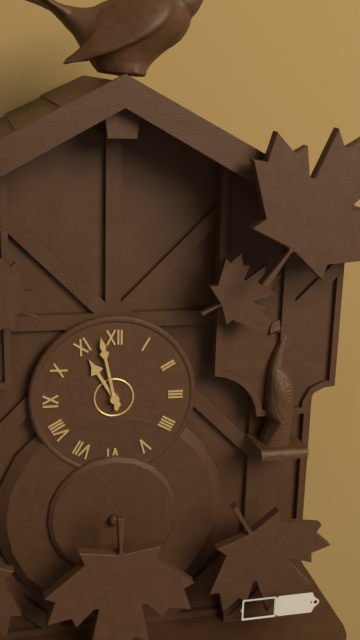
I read {"hour": 10, "minute": 58}
